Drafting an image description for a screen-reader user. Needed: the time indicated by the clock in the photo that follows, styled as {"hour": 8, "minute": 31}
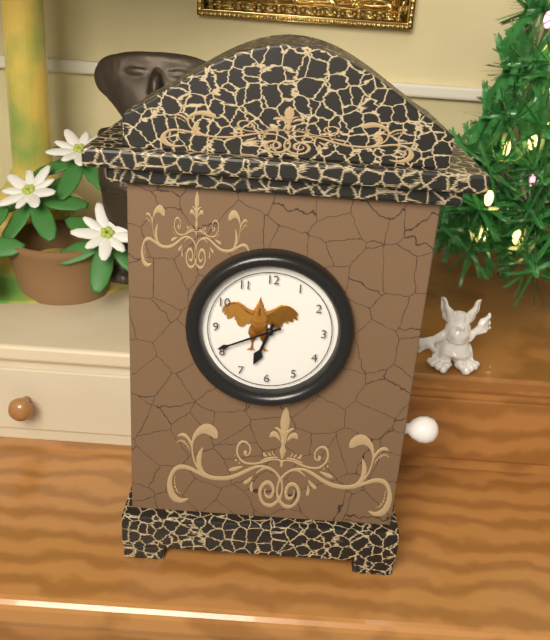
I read {"hour": 6, "minute": 41}
